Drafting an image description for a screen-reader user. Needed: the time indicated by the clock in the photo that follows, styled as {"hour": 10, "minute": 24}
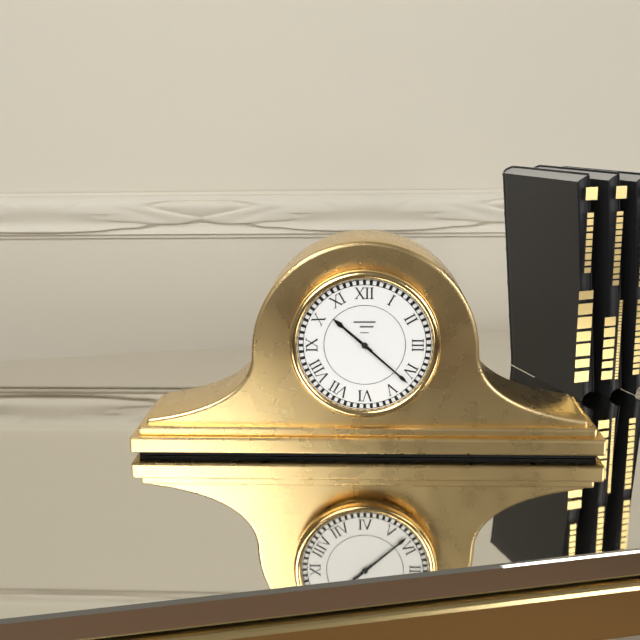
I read {"hour": 10, "minute": 22}
